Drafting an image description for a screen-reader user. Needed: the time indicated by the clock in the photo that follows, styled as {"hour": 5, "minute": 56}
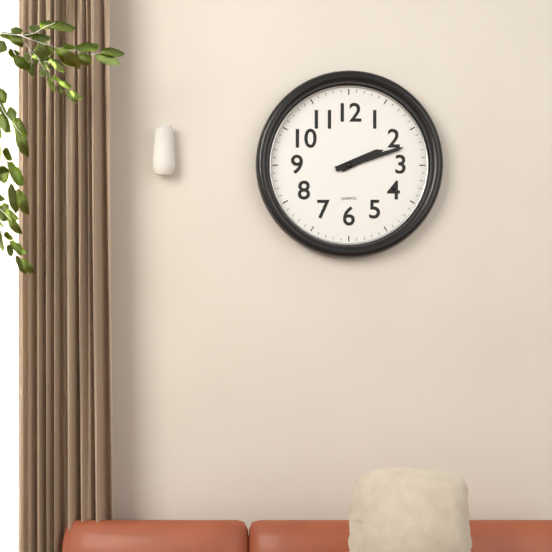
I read {"hour": 2, "minute": 12}
